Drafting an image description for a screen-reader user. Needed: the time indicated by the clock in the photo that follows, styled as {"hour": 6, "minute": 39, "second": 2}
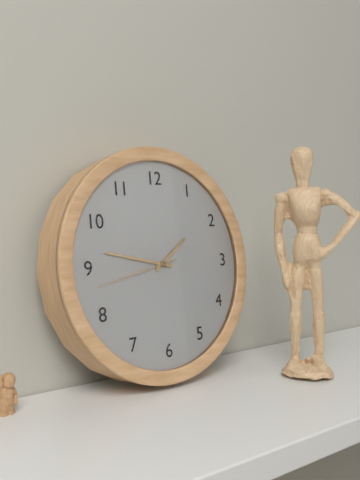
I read {"hour": 1, "minute": 47, "second": 43}
